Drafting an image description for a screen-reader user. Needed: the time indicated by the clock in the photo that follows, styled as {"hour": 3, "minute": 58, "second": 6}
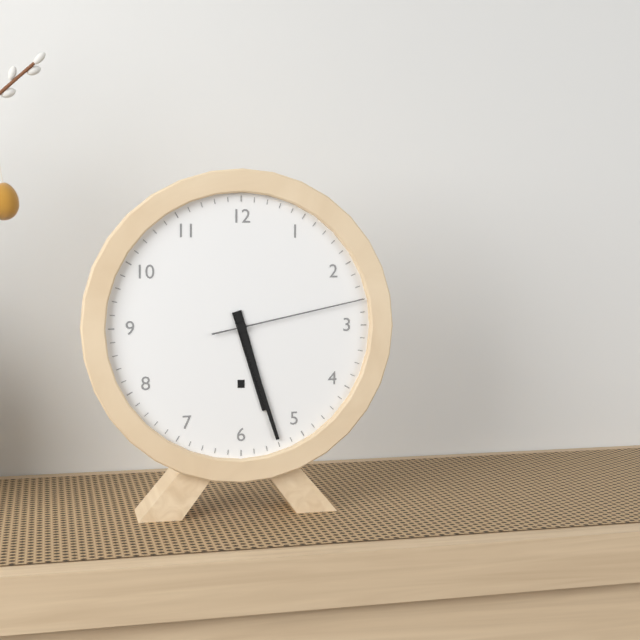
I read {"hour": 5, "minute": 27, "second": 13}
